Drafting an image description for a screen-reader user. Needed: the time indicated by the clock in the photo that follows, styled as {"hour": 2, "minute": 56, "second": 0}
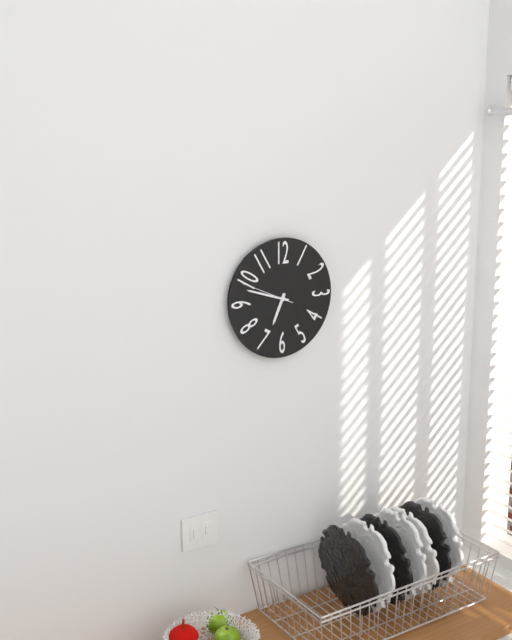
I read {"hour": 6, "minute": 48, "second": 49}
